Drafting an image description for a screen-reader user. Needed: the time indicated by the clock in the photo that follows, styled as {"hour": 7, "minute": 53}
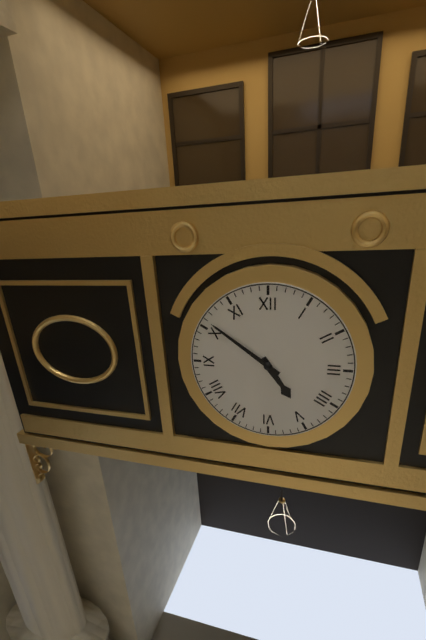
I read {"hour": 4, "minute": 51}
